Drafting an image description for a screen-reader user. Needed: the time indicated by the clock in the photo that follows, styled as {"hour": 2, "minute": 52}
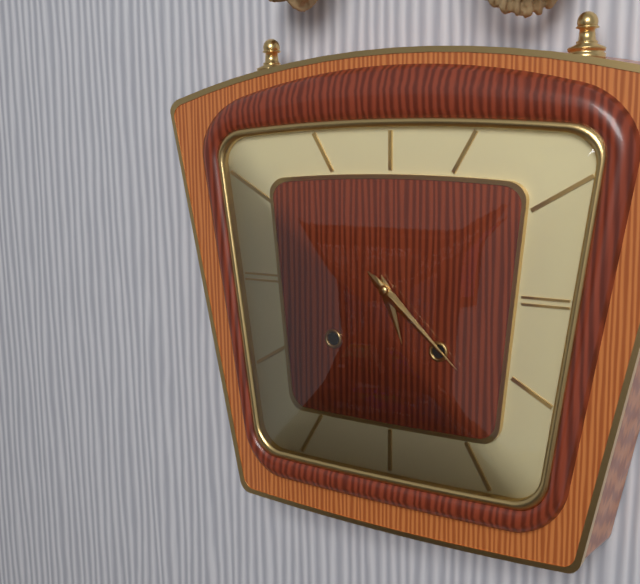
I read {"hour": 5, "minute": 22}
